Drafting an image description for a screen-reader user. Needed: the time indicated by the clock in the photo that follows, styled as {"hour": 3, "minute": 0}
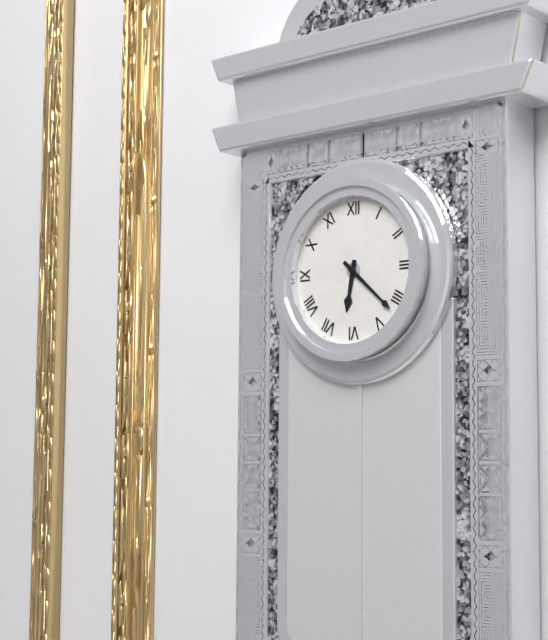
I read {"hour": 6, "minute": 22}
